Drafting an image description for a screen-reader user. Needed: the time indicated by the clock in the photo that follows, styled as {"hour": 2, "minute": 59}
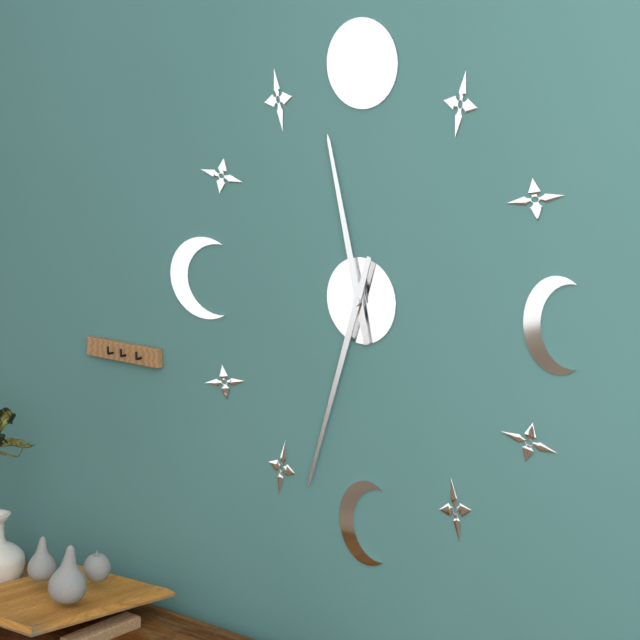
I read {"hour": 11, "minute": 33}
